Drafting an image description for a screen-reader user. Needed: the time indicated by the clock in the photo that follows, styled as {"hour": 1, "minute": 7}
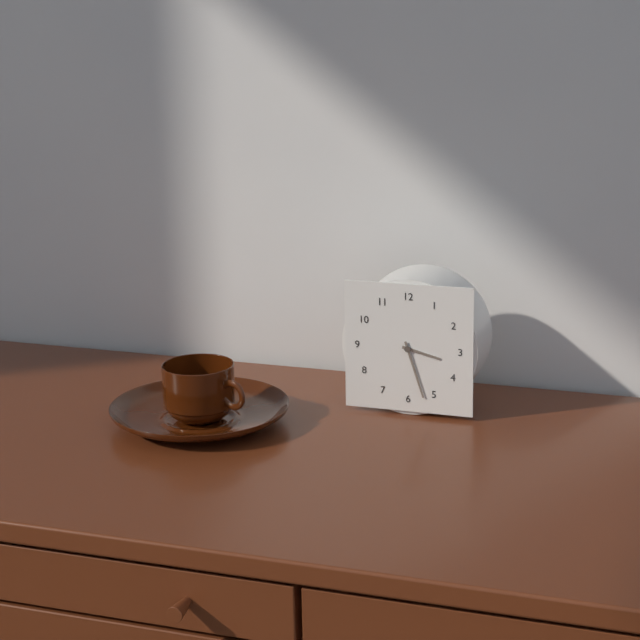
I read {"hour": 3, "minute": 27}
